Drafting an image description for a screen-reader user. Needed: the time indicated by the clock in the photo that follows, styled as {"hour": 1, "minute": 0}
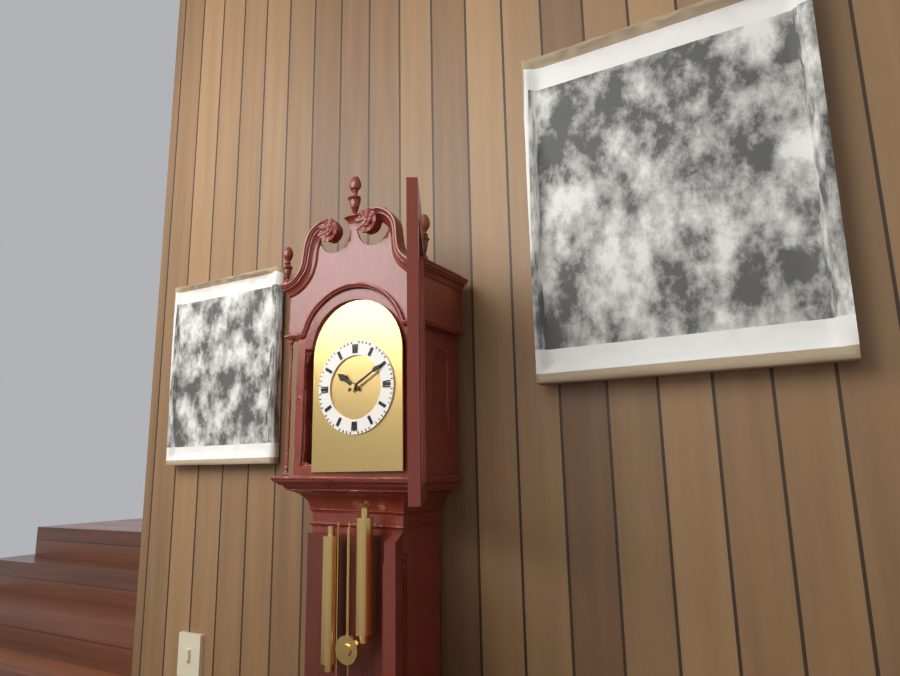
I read {"hour": 10, "minute": 10}
